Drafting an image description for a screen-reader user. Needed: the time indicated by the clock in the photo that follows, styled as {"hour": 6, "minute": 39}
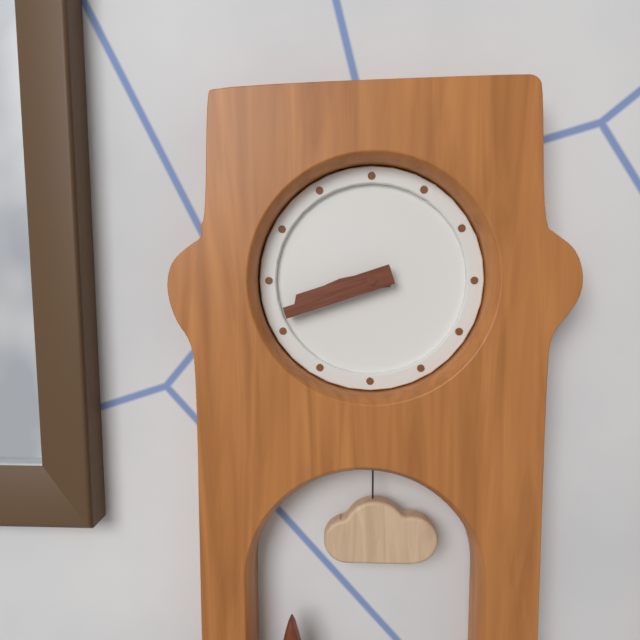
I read {"hour": 8, "minute": 42}
